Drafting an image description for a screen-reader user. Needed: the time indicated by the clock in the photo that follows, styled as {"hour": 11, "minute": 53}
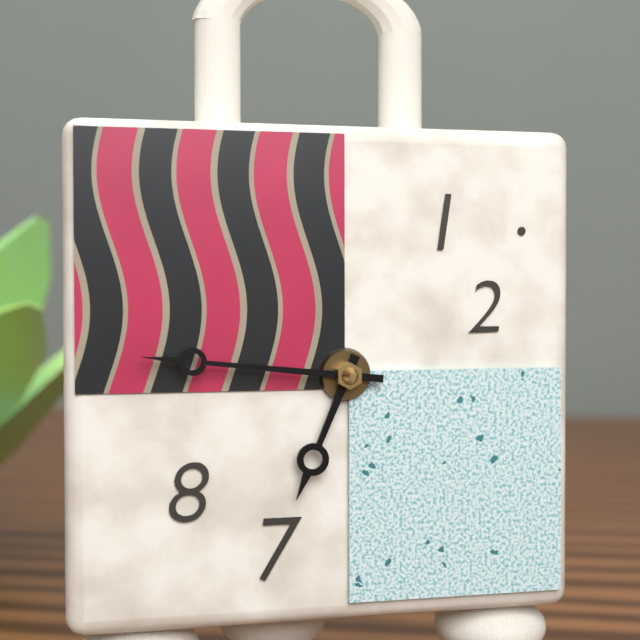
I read {"hour": 6, "minute": 46}
